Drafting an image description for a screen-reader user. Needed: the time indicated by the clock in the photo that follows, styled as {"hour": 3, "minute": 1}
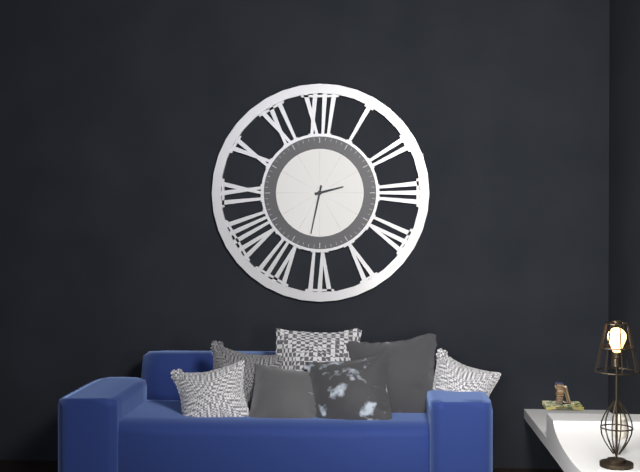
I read {"hour": 2, "minute": 32}
